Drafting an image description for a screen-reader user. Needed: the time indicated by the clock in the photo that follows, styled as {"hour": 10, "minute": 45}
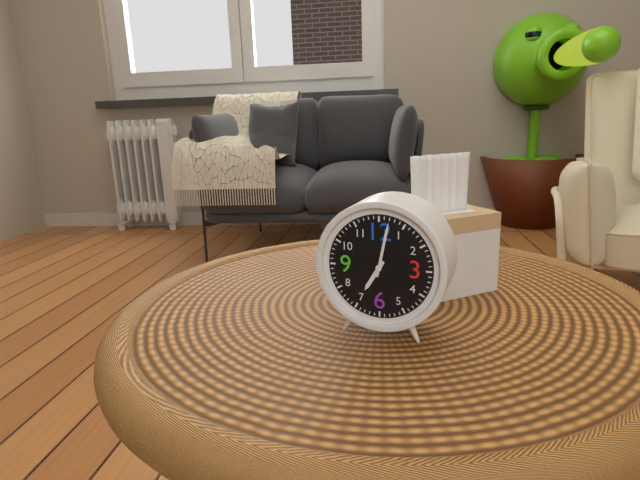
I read {"hour": 7, "minute": 2}
